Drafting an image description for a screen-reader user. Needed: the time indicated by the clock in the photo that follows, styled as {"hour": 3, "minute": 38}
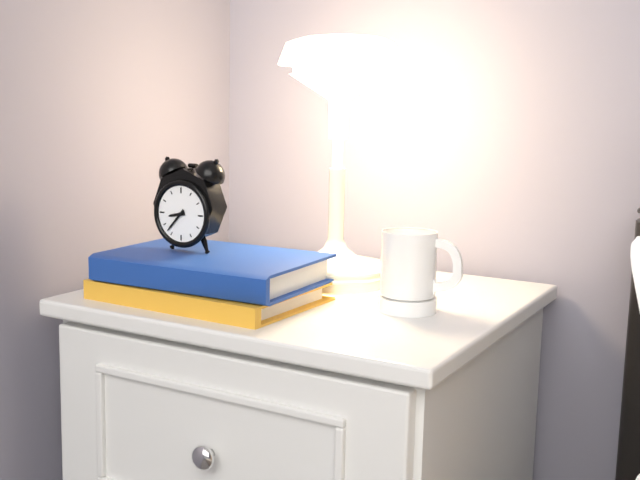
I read {"hour": 8, "minute": 37}
